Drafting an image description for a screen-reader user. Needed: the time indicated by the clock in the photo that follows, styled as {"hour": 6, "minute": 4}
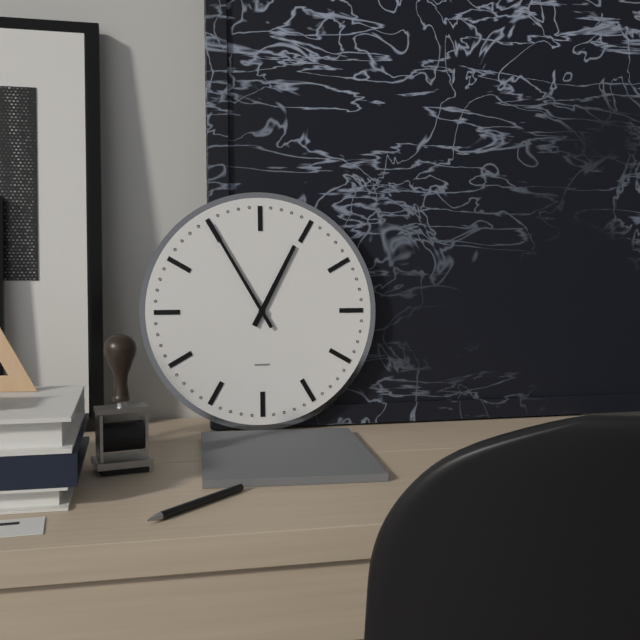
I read {"hour": 12, "minute": 55}
